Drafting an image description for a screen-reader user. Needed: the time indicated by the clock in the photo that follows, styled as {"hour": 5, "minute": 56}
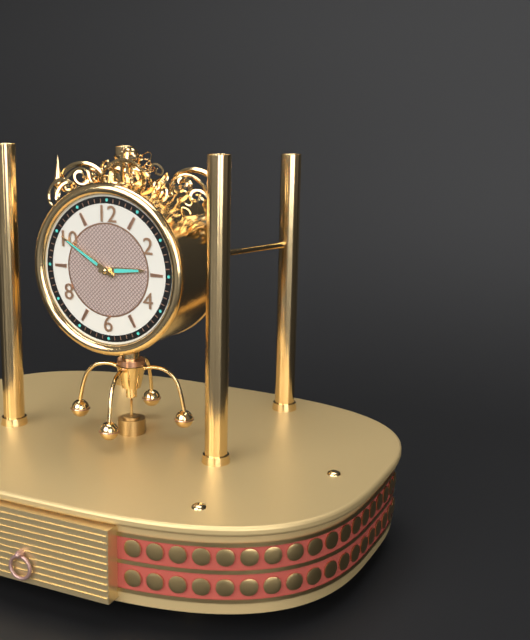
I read {"hour": 2, "minute": 50}
